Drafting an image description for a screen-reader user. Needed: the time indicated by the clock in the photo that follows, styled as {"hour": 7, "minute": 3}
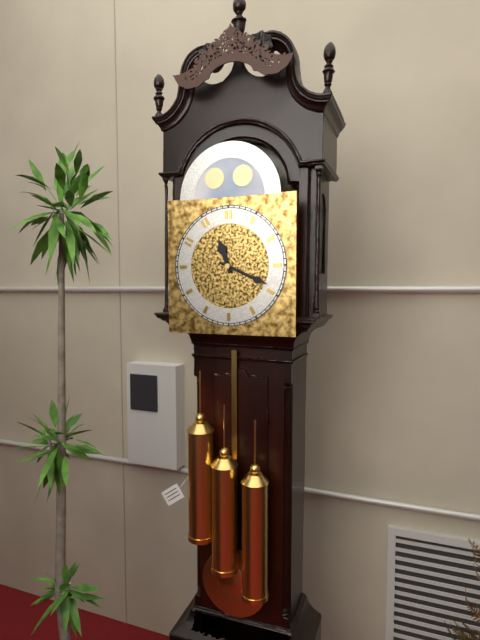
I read {"hour": 11, "minute": 19}
